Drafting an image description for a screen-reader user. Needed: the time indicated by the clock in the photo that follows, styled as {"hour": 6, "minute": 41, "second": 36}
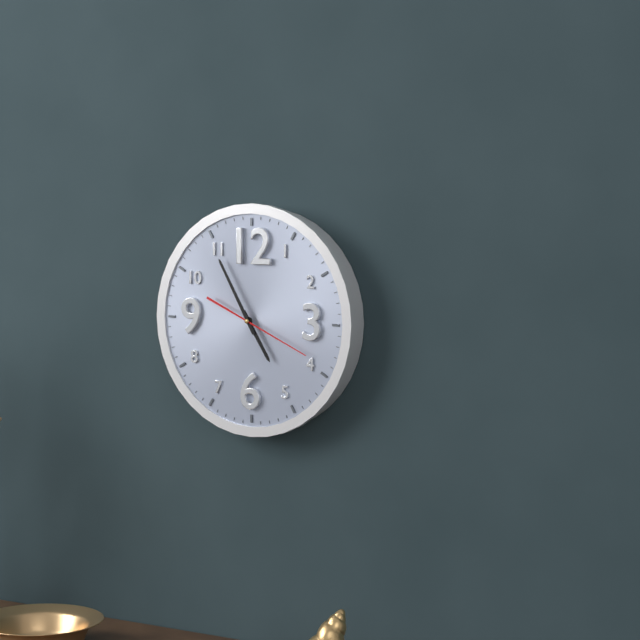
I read {"hour": 4, "minute": 55, "second": 19}
